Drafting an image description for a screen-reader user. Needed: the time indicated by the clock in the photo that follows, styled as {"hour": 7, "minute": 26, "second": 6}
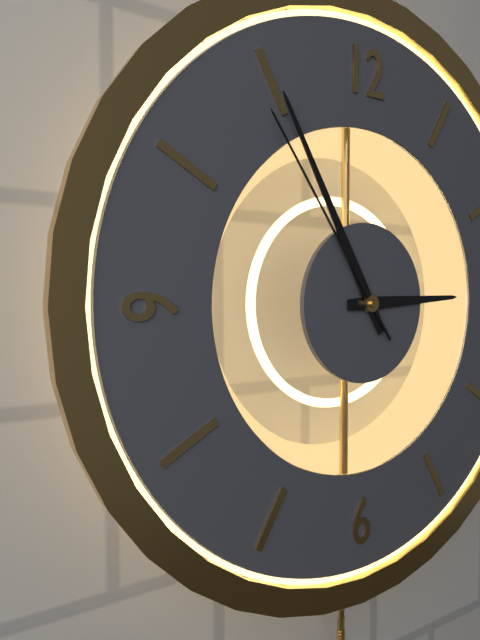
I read {"hour": 2, "minute": 55, "second": 54}
